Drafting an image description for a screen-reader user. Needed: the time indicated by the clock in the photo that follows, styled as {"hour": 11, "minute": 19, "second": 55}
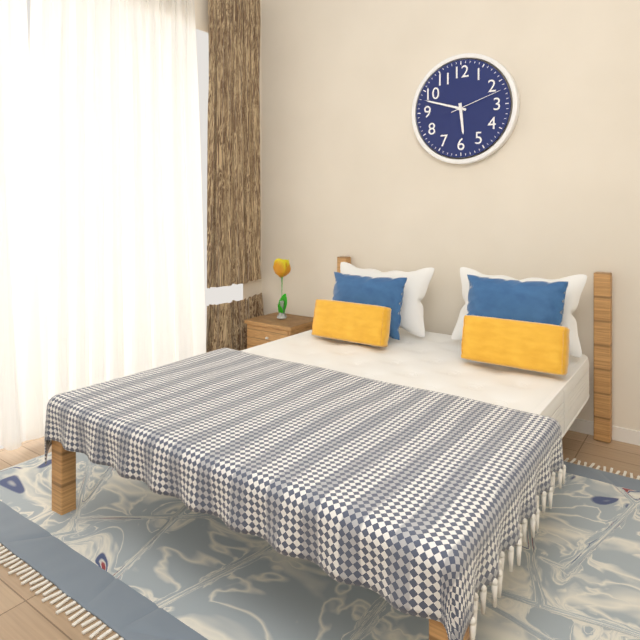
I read {"hour": 5, "minute": 48, "second": 12}
